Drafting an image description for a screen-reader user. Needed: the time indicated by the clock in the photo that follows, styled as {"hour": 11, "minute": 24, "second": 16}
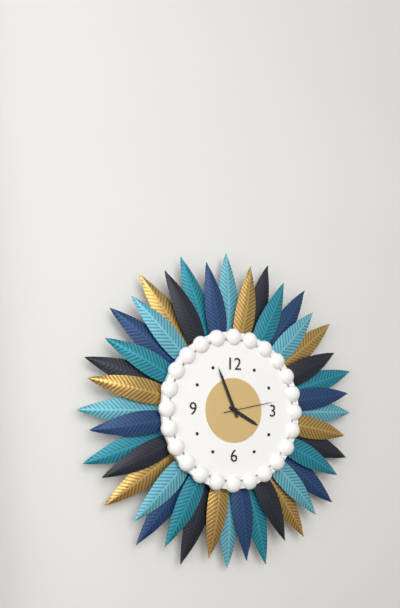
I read {"hour": 3, "minute": 56, "second": 13}
